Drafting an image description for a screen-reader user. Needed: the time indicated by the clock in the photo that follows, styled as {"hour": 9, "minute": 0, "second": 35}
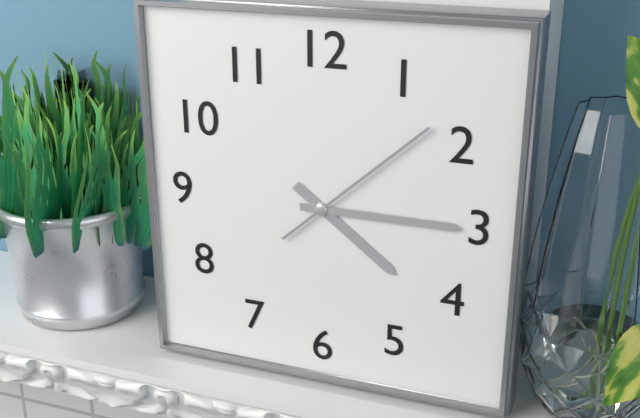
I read {"hour": 4, "minute": 15, "second": 8}
